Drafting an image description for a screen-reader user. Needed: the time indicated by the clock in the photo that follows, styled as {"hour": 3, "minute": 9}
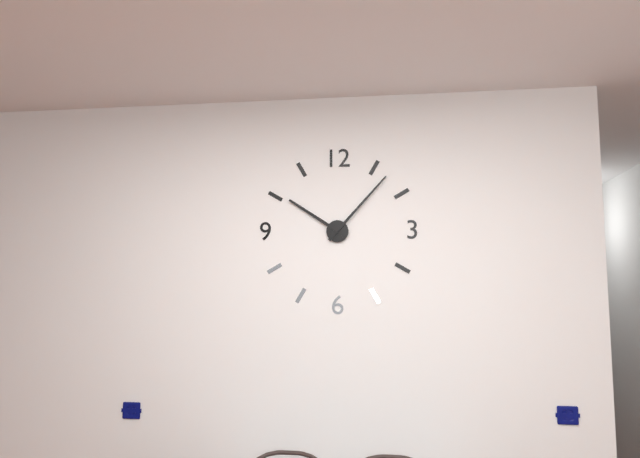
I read {"hour": 10, "minute": 7}
